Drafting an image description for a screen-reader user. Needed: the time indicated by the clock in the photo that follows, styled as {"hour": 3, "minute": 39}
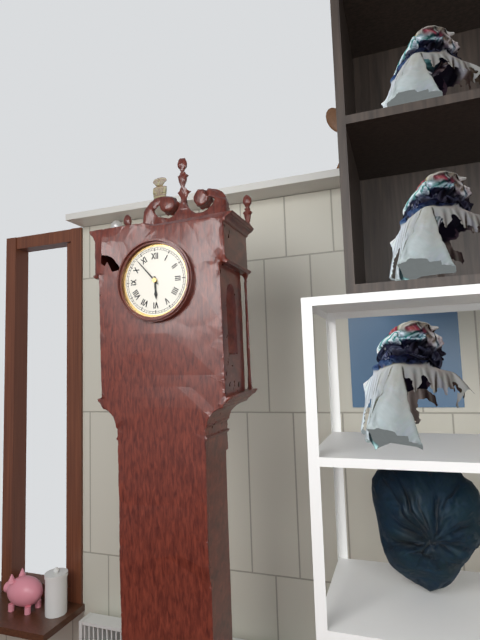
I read {"hour": 5, "minute": 53}
